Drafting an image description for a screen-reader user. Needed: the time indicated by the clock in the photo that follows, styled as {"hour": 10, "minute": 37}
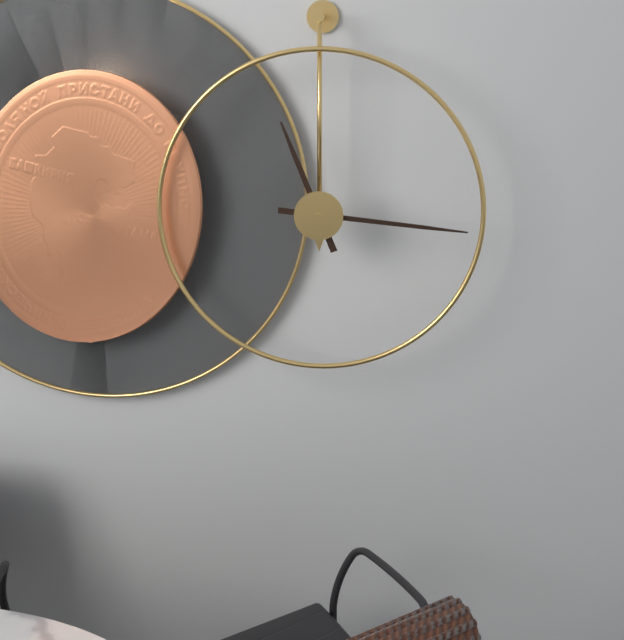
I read {"hour": 11, "minute": 16}
